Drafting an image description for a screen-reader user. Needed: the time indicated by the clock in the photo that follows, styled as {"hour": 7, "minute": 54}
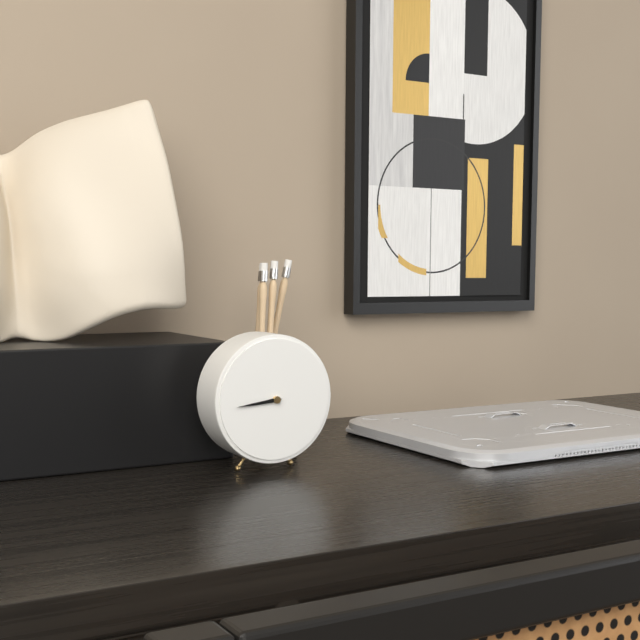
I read {"hour": 8, "minute": 44}
